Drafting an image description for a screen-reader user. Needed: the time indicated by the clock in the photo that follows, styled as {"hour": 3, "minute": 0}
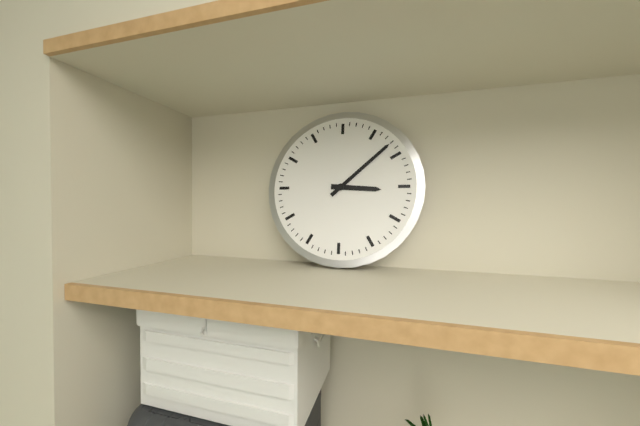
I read {"hour": 3, "minute": 8}
